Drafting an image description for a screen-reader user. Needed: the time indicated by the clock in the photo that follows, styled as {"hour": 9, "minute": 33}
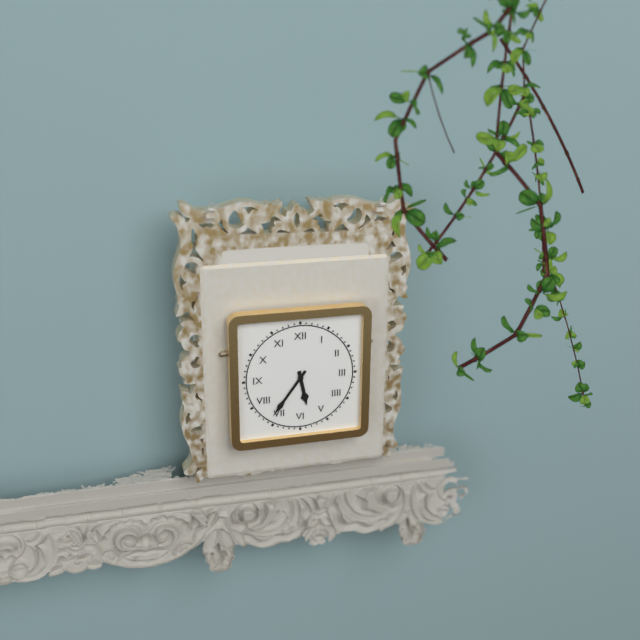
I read {"hour": 5, "minute": 36}
